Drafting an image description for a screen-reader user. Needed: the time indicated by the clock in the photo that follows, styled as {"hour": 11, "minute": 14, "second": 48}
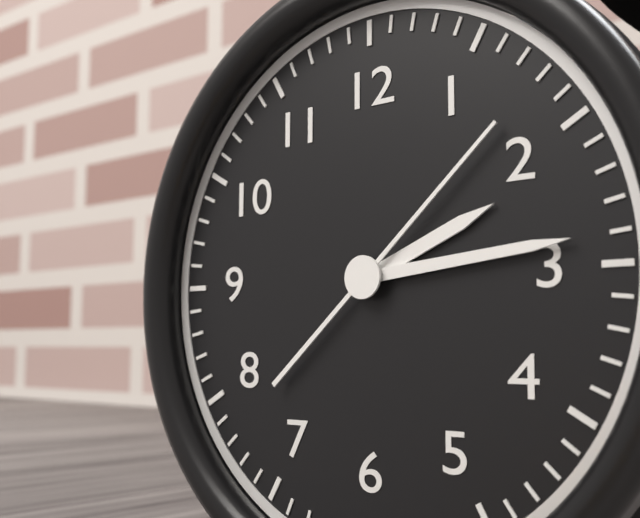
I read {"hour": 2, "minute": 14, "second": 8}
